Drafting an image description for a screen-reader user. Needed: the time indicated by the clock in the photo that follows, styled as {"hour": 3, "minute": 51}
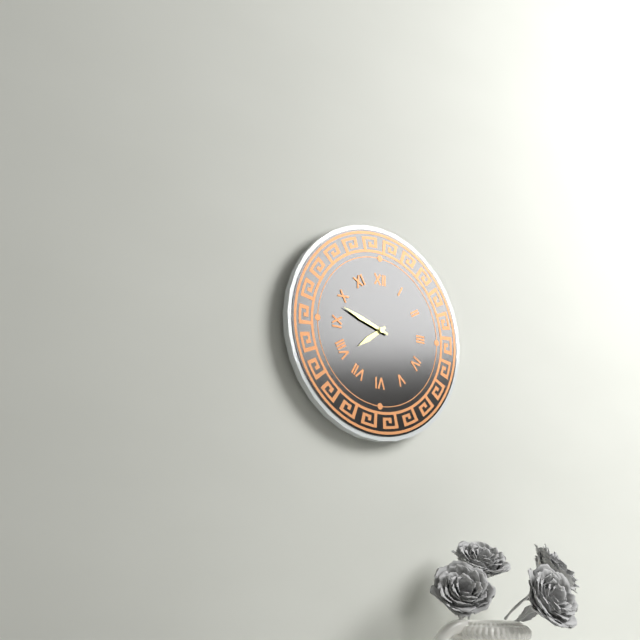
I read {"hour": 7, "minute": 48}
